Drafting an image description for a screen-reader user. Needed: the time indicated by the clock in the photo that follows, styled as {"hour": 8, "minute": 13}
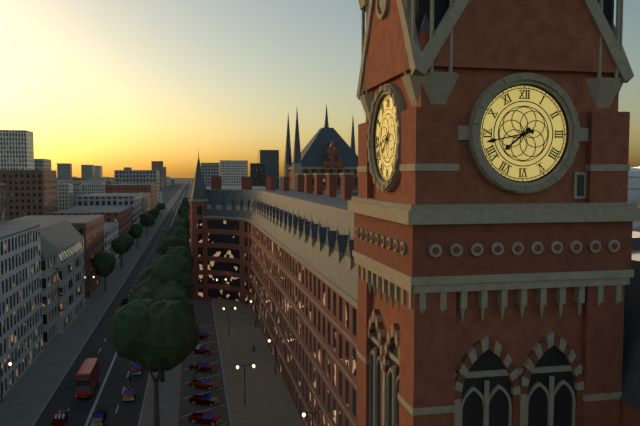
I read {"hour": 7, "minute": 43}
